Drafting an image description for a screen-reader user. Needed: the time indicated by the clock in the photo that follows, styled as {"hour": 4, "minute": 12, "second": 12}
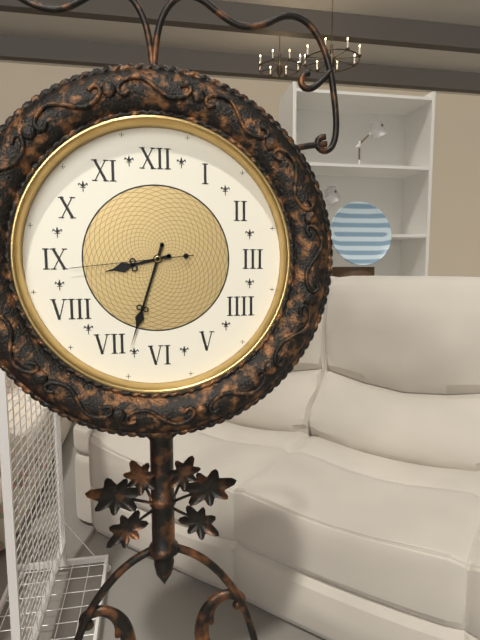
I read {"hour": 8, "minute": 33, "second": 44}
